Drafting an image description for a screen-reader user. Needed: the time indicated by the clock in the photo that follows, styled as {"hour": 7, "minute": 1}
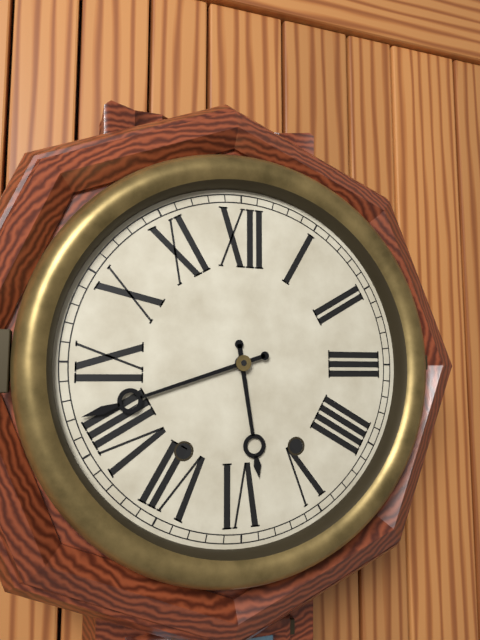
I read {"hour": 5, "minute": 42}
